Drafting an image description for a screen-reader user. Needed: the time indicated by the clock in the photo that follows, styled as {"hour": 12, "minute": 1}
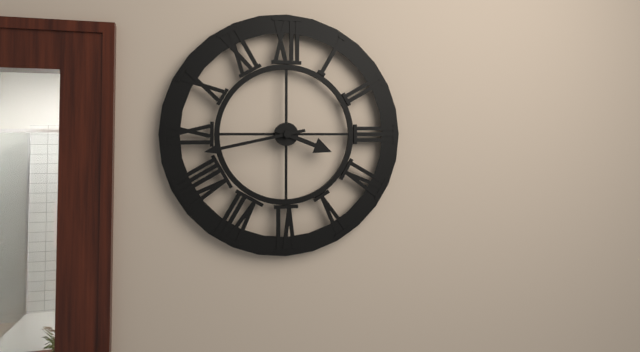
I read {"hour": 3, "minute": 43}
